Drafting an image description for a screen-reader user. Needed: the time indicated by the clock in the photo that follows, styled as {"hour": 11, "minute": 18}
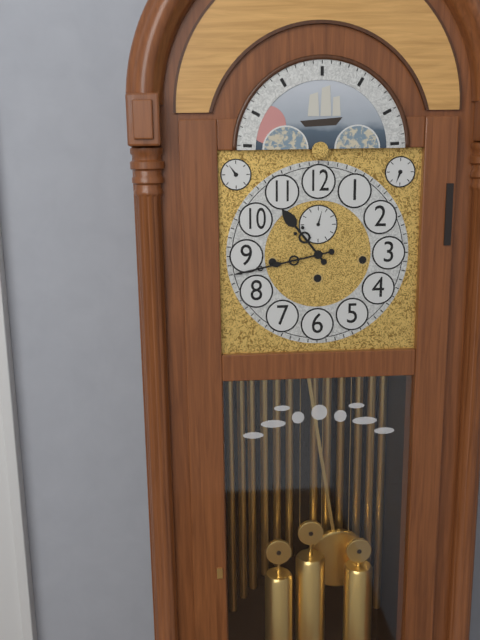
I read {"hour": 10, "minute": 43}
